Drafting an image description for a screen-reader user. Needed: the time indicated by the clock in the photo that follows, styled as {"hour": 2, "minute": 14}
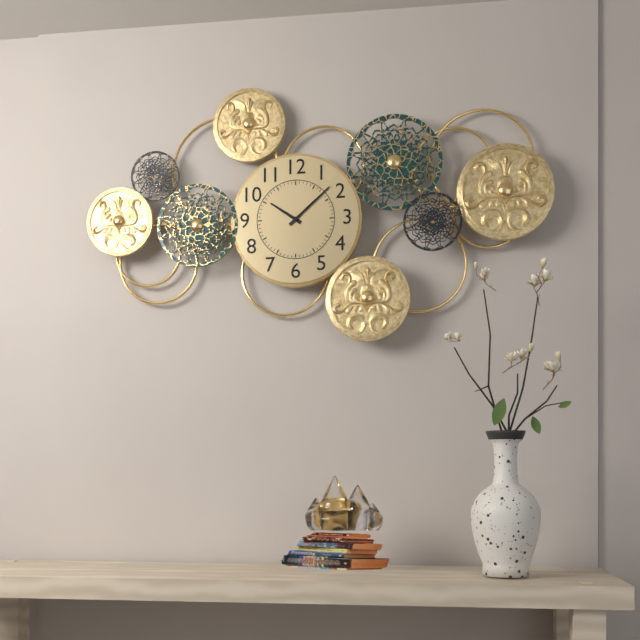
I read {"hour": 10, "minute": 8}
